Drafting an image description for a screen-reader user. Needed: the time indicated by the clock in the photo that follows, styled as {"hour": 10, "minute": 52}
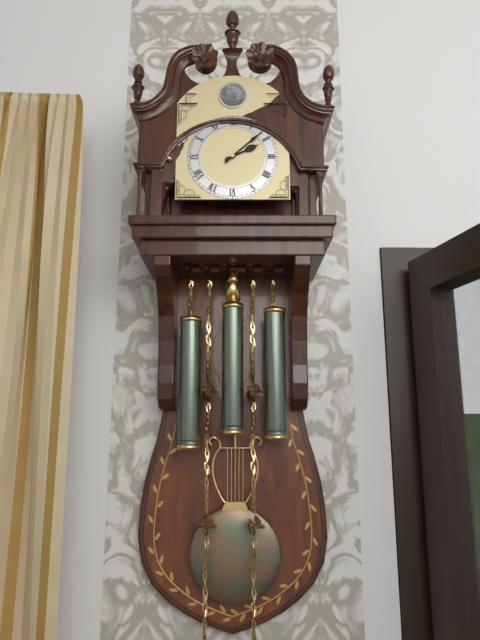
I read {"hour": 2, "minute": 8}
